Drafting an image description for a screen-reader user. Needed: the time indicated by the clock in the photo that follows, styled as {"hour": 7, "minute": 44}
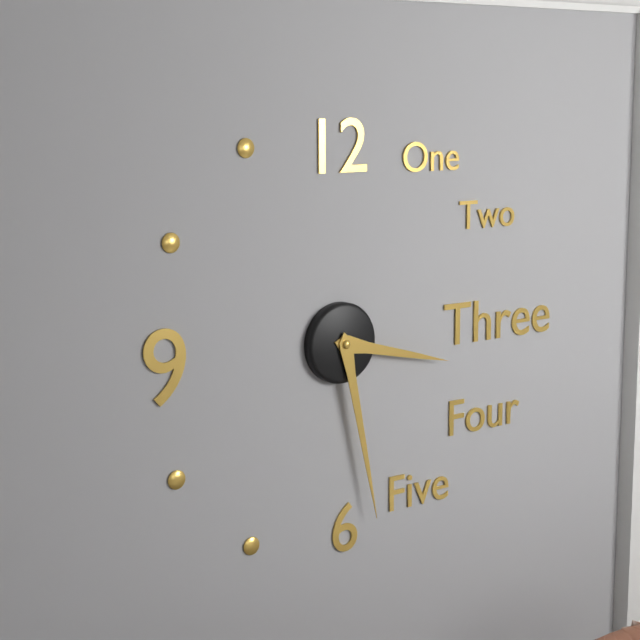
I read {"hour": 3, "minute": 28}
